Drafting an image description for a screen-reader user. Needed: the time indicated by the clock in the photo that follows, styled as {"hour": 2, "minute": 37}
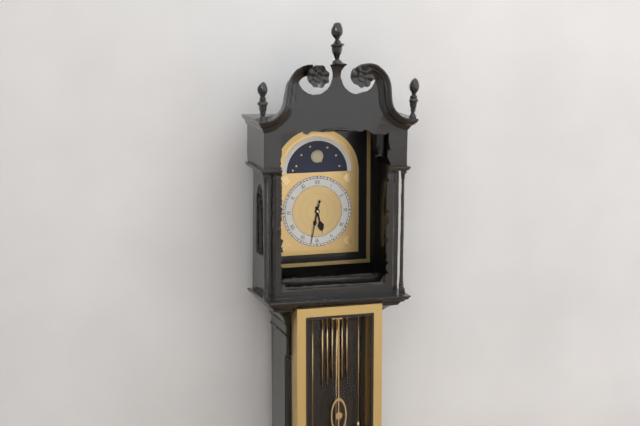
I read {"hour": 5, "minute": 32}
